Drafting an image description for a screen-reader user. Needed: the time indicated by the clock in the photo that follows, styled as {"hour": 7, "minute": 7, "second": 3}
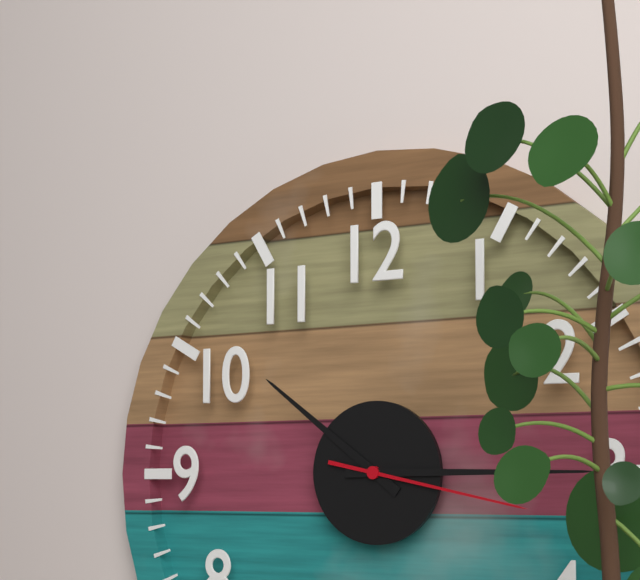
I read {"hour": 10, "minute": 15, "second": 17}
